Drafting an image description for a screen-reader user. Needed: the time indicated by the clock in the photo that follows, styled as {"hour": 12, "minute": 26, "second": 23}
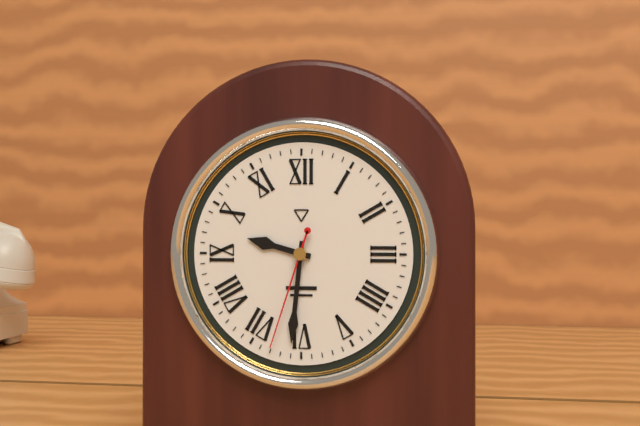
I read {"hour": 9, "minute": 31, "second": 33}
